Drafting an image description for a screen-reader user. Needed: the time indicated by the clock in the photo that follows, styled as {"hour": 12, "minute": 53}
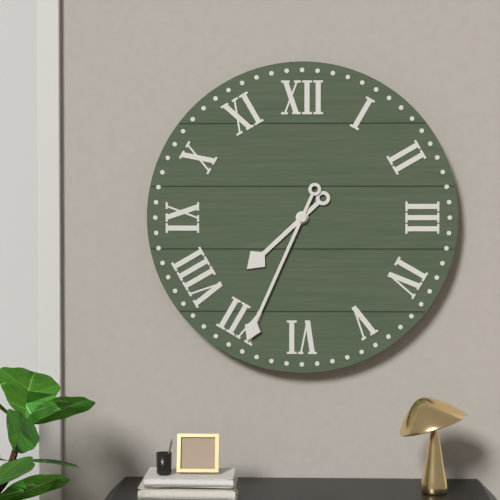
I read {"hour": 7, "minute": 34}
